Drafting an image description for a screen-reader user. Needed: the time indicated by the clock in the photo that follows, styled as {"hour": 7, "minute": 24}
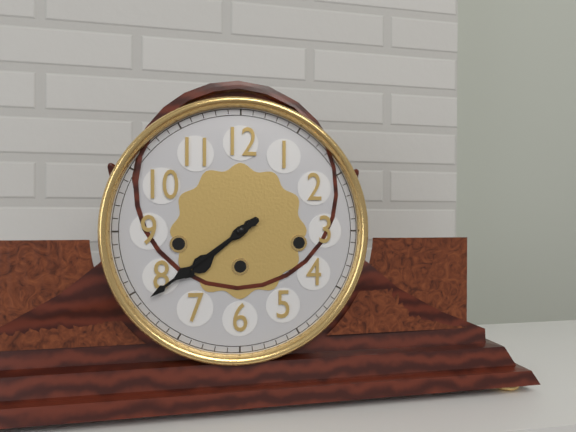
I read {"hour": 7, "minute": 39}
